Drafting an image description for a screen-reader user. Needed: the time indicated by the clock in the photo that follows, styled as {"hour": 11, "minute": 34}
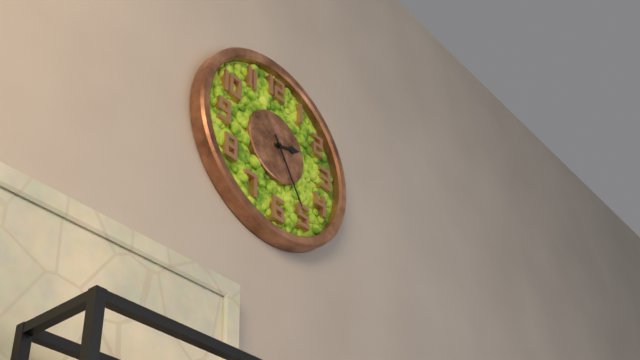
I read {"hour": 2, "minute": 25}
